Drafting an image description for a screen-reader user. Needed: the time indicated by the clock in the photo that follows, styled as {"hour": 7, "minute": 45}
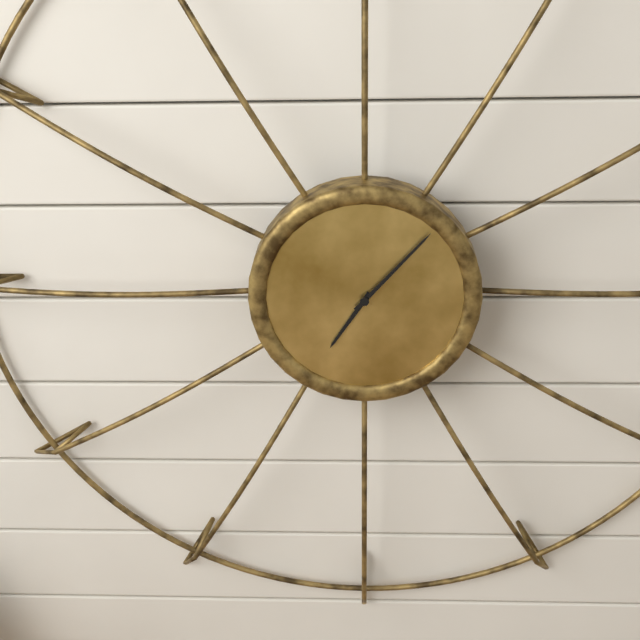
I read {"hour": 7, "minute": 7}
